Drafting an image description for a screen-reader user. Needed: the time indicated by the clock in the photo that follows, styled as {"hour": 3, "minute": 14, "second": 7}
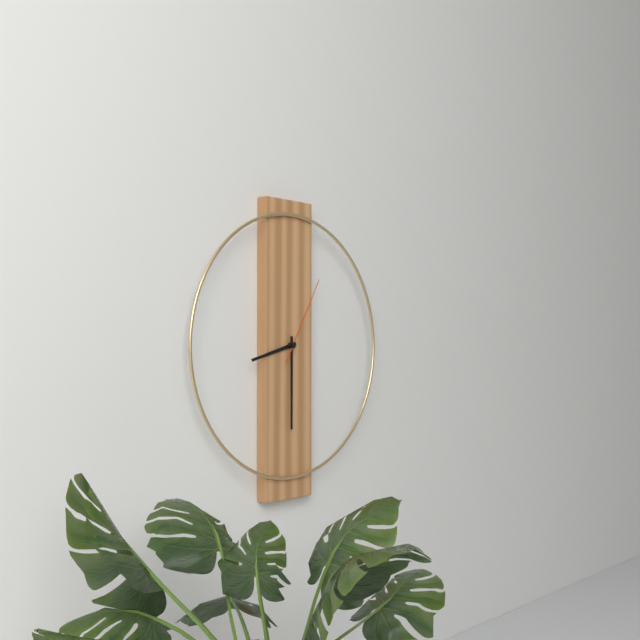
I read {"hour": 8, "minute": 30, "second": 5}
